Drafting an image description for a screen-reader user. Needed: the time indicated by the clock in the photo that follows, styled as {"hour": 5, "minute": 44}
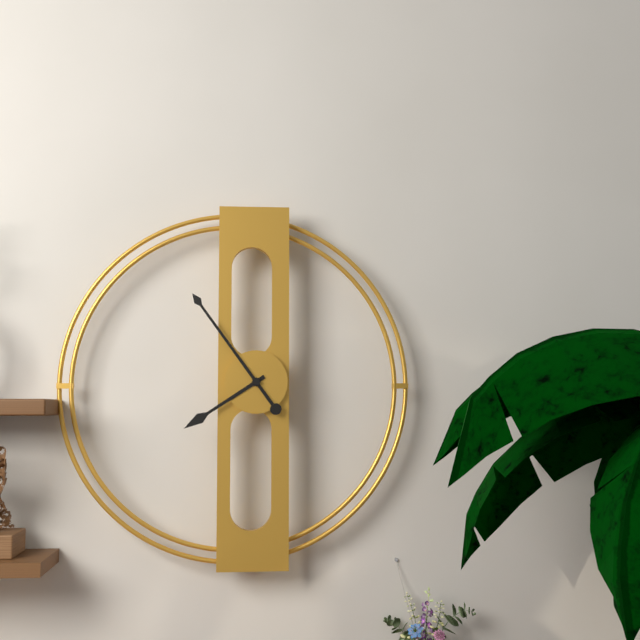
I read {"hour": 7, "minute": 54}
